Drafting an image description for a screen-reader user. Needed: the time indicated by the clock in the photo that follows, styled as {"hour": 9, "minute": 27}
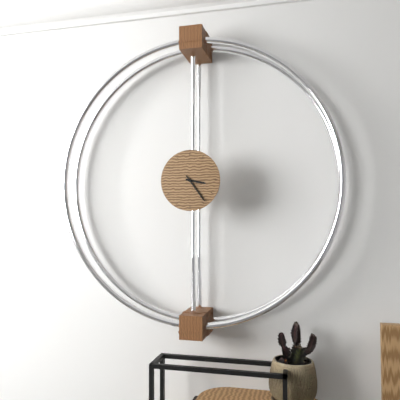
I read {"hour": 3, "minute": 24}
